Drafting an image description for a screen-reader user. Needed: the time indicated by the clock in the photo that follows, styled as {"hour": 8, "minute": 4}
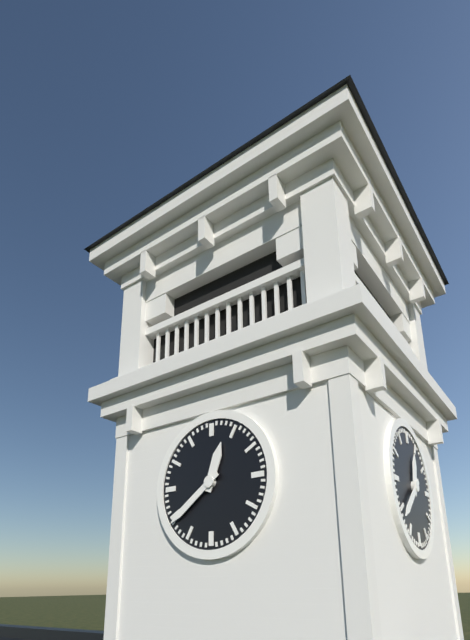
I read {"hour": 12, "minute": 39}
